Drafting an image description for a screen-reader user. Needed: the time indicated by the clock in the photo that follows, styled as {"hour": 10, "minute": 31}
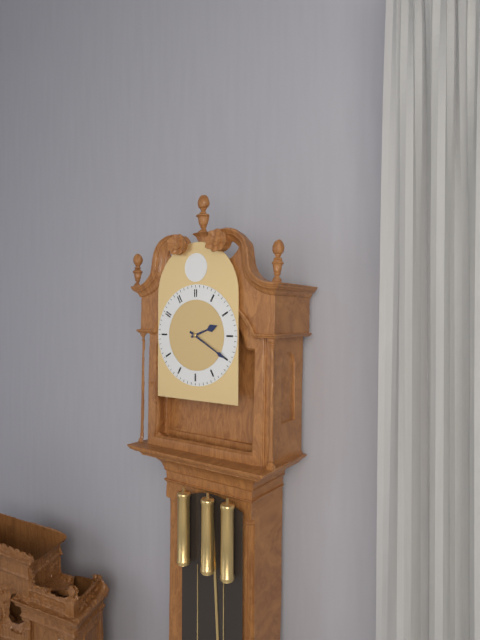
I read {"hour": 2, "minute": 20}
